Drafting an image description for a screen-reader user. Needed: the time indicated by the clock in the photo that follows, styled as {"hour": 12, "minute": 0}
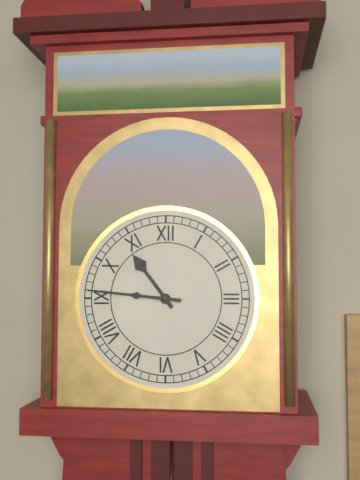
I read {"hour": 10, "minute": 46}
